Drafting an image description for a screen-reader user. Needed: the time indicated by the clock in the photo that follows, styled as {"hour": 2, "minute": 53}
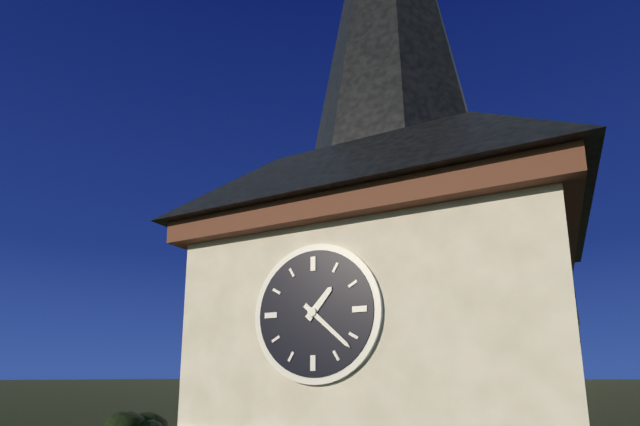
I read {"hour": 1, "minute": 22}
